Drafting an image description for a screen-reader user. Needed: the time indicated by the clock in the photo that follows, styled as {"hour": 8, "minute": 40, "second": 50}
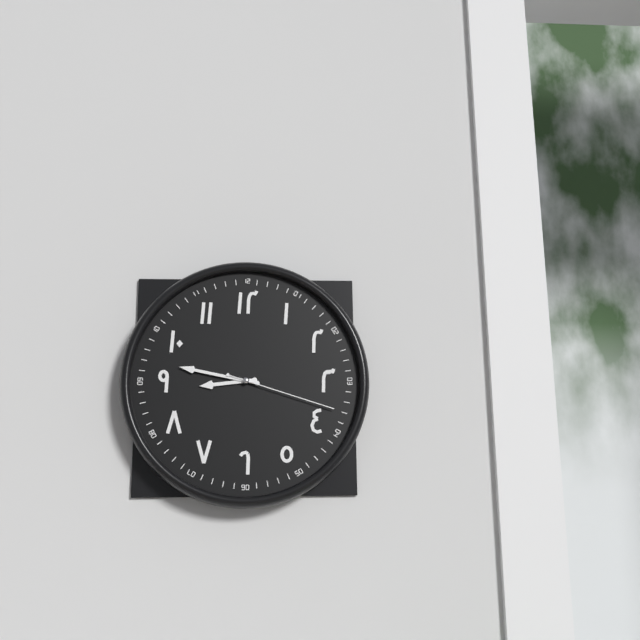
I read {"hour": 8, "minute": 47, "second": 18}
